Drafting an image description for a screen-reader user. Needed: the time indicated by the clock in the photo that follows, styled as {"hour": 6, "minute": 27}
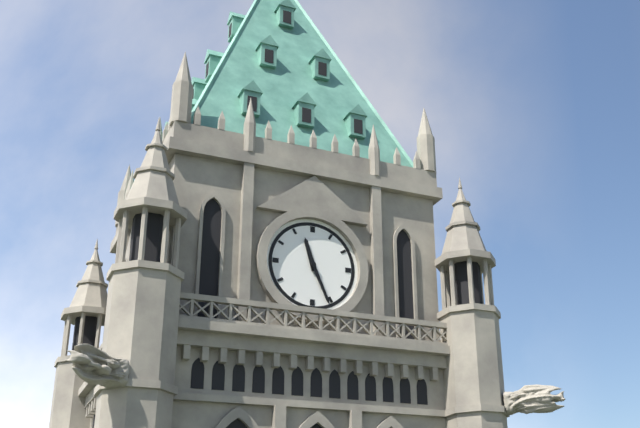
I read {"hour": 11, "minute": 26}
